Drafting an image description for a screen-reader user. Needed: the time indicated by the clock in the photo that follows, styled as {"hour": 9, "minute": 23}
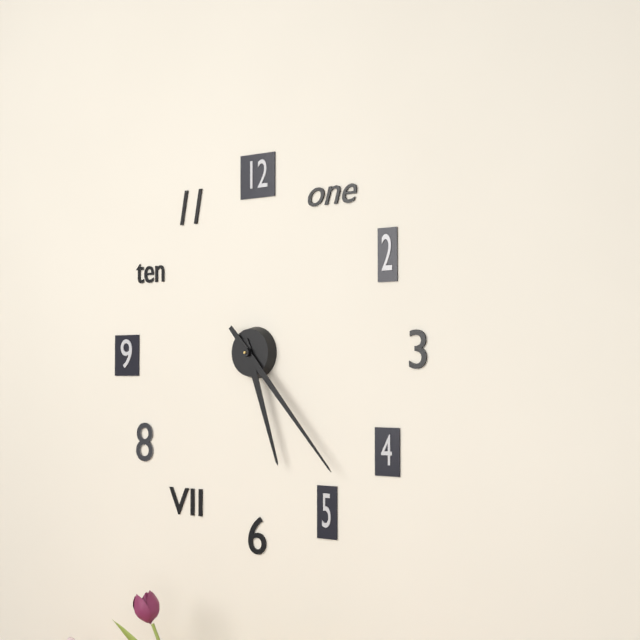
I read {"hour": 5, "minute": 23}
